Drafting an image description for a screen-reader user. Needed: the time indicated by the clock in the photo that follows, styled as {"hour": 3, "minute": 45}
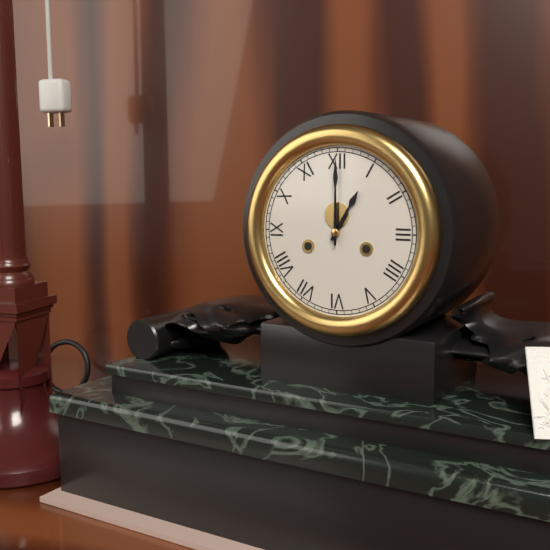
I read {"hour": 1, "minute": 0}
